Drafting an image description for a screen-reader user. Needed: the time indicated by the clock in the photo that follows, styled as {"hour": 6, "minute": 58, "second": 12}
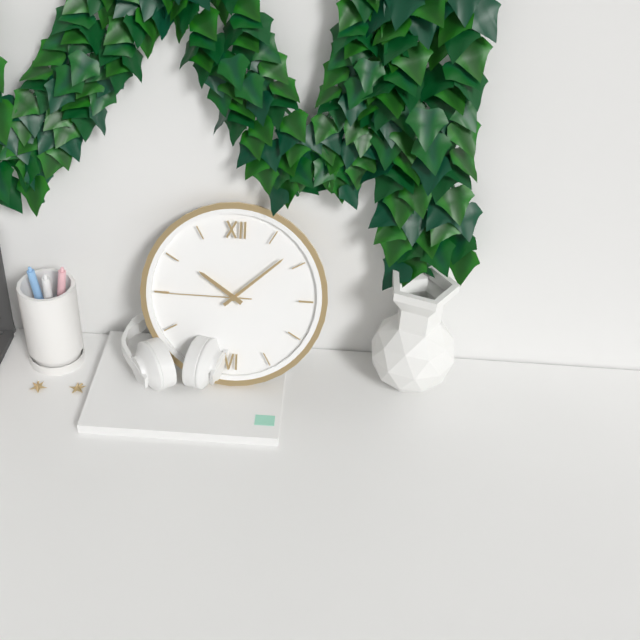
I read {"hour": 10, "minute": 8, "second": 45}
